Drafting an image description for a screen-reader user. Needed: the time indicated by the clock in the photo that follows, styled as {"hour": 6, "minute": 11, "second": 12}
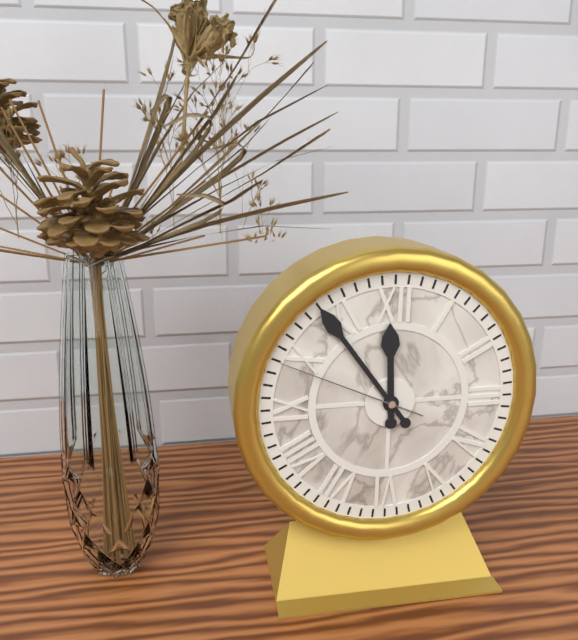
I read {"hour": 11, "minute": 54, "second": 49}
